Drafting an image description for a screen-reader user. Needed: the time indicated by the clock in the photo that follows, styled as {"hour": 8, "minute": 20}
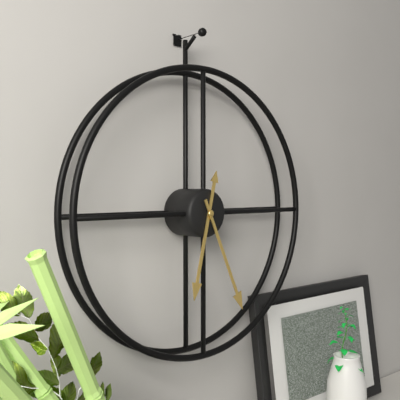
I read {"hour": 6, "minute": 26}
